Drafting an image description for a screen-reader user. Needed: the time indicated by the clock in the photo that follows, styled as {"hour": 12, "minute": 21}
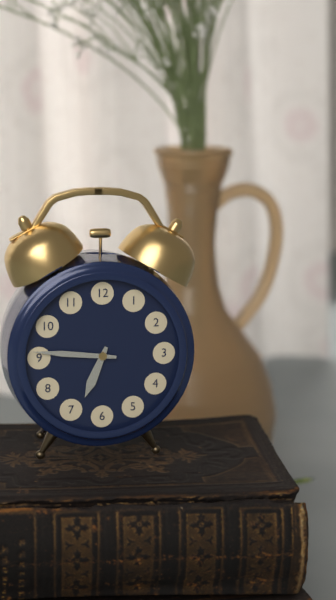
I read {"hour": 6, "minute": 46}
